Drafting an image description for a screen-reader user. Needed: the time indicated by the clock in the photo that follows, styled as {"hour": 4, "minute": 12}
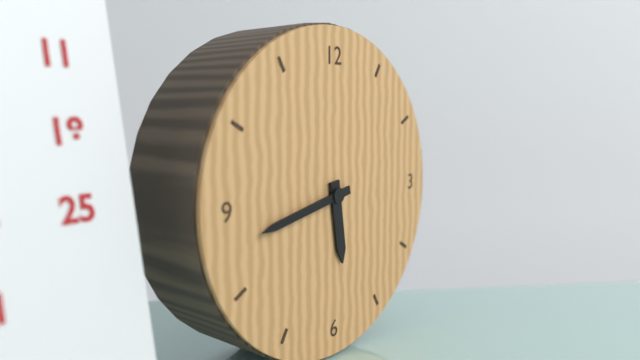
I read {"hour": 5, "minute": 43}
